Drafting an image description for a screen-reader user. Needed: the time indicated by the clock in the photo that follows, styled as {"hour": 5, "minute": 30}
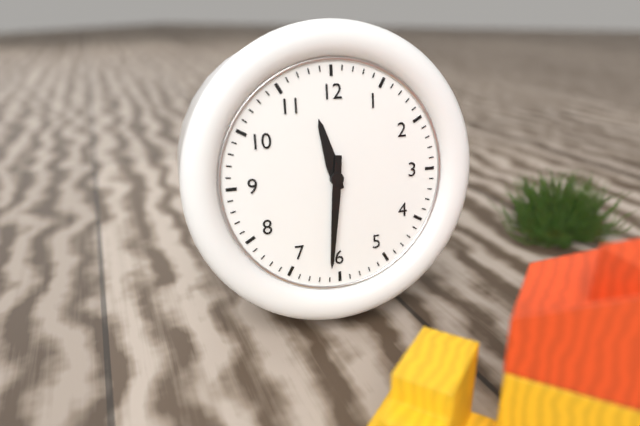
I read {"hour": 11, "minute": 31}
